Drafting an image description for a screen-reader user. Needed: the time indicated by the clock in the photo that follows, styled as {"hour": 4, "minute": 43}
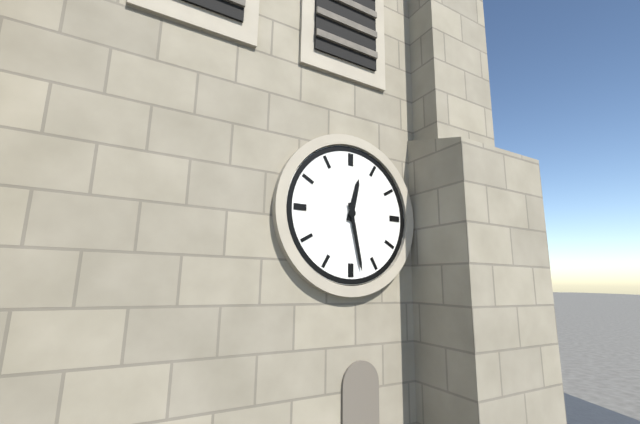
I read {"hour": 12, "minute": 28}
